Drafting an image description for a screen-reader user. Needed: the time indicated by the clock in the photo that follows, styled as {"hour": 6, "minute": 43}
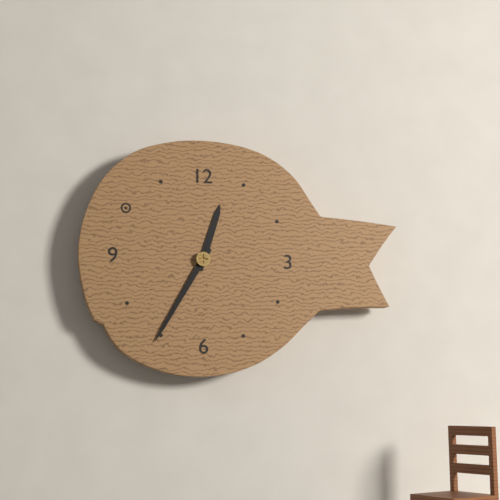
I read {"hour": 12, "minute": 35}
